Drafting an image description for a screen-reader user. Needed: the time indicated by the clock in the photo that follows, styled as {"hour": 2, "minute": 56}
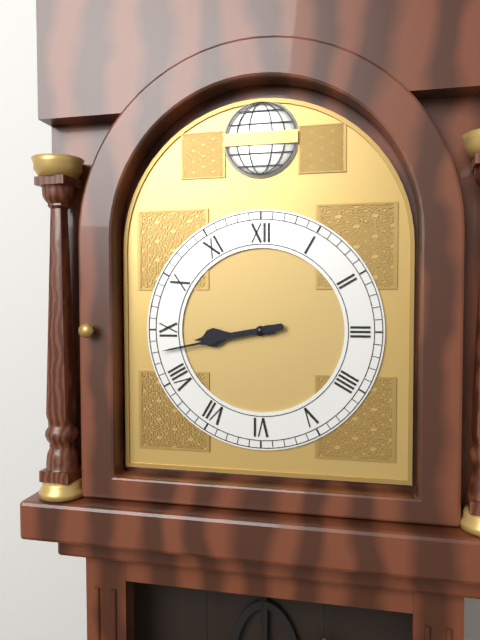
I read {"hour": 8, "minute": 43}
